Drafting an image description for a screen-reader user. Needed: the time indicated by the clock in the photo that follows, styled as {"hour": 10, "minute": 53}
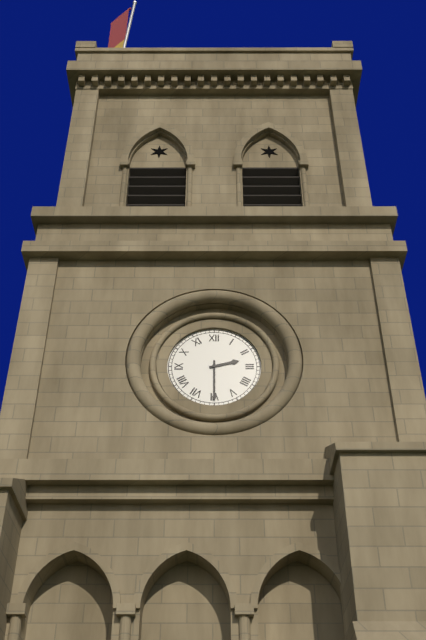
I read {"hour": 2, "minute": 30}
